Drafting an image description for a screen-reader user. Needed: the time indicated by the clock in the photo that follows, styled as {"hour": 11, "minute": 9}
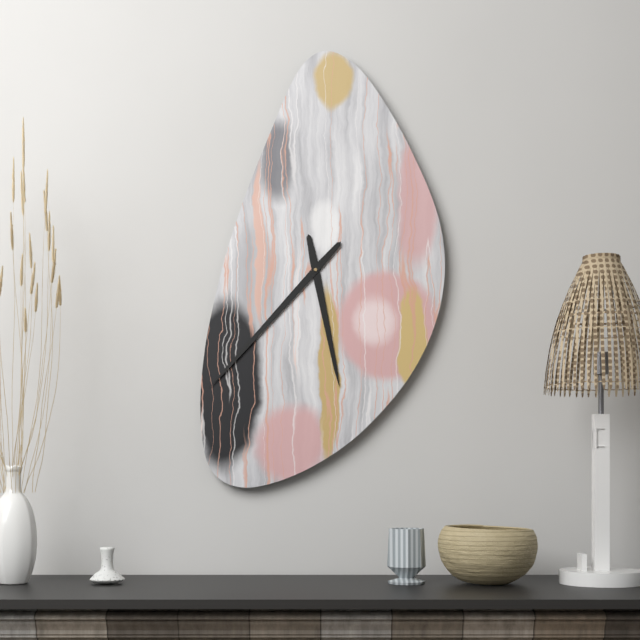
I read {"hour": 5, "minute": 37}
